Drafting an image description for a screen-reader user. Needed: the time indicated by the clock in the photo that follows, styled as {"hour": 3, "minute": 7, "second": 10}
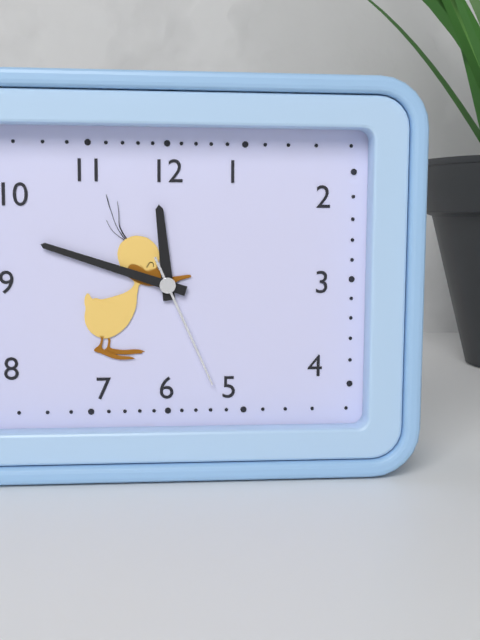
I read {"hour": 11, "minute": 48, "second": 26}
